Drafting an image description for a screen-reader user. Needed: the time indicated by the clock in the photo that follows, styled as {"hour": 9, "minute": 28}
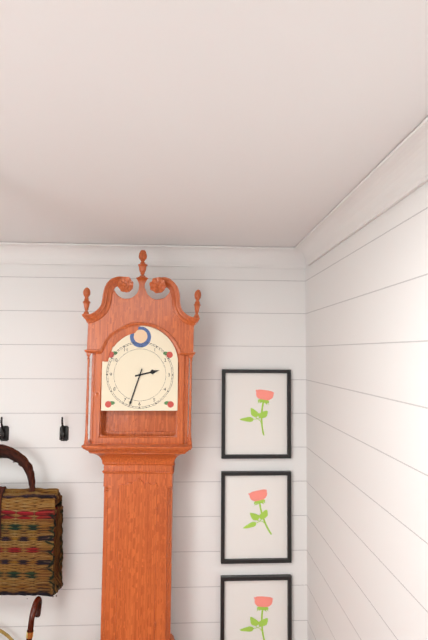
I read {"hour": 2, "minute": 33}
